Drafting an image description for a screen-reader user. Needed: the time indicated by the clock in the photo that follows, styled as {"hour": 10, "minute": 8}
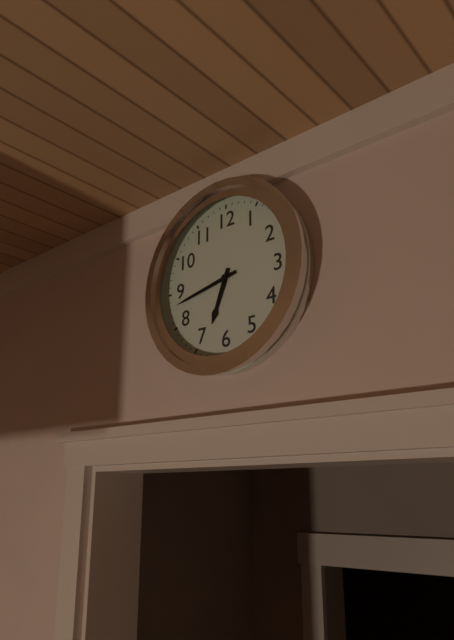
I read {"hour": 6, "minute": 43}
